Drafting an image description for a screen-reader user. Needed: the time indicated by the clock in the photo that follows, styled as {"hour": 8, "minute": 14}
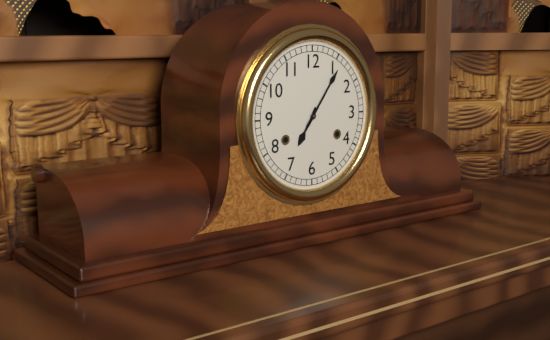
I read {"hour": 7, "minute": 6}
